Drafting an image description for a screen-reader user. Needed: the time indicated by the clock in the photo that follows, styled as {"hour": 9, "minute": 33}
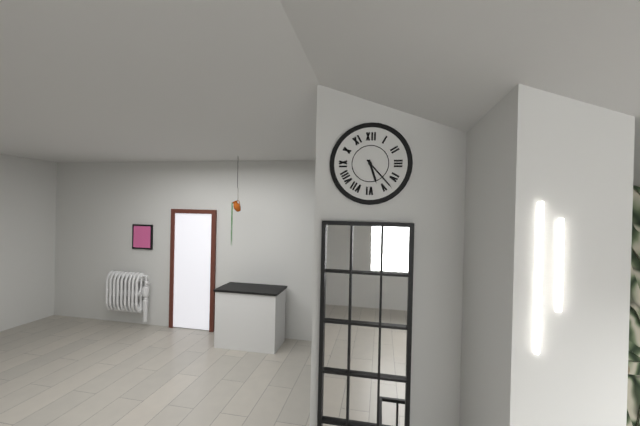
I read {"hour": 5, "minute": 23}
